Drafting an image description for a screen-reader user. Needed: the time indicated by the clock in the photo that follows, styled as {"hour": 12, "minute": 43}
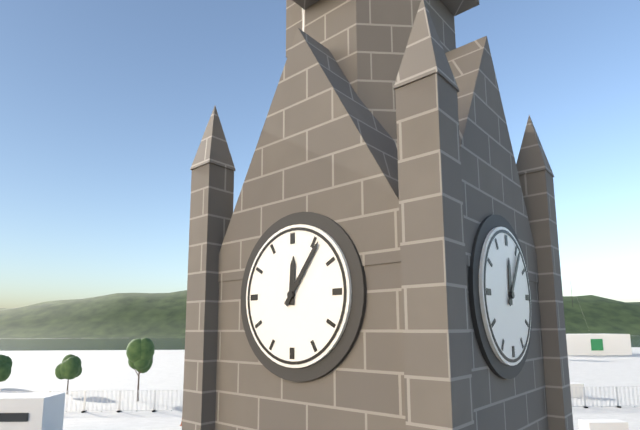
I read {"hour": 12, "minute": 6}
